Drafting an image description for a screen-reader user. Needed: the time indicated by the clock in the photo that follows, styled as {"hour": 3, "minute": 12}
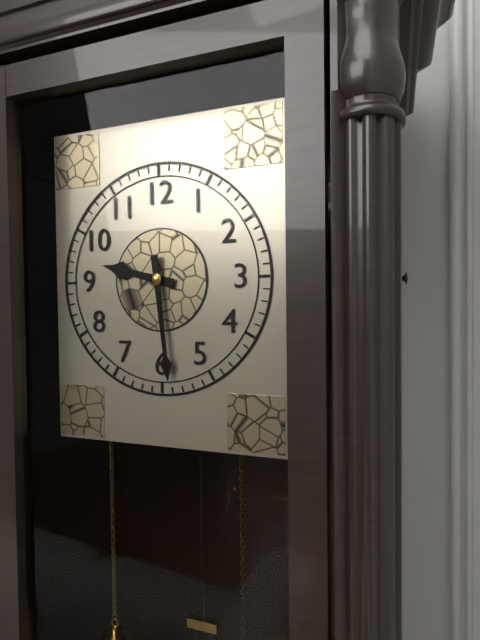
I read {"hour": 9, "minute": 29}
